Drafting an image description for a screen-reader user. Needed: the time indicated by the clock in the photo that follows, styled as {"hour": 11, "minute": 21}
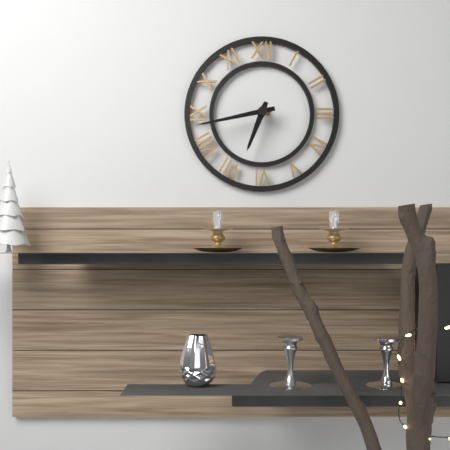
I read {"hour": 6, "minute": 43}
